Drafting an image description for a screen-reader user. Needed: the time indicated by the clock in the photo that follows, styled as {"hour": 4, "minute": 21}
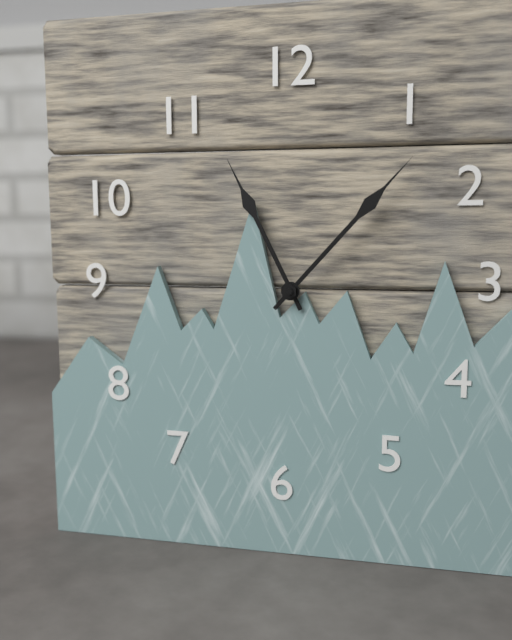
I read {"hour": 11, "minute": 7}
